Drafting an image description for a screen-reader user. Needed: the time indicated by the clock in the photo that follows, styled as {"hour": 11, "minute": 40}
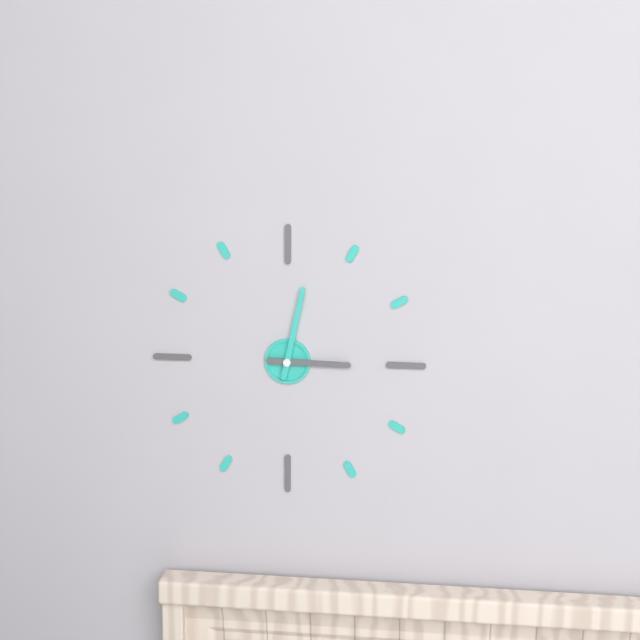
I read {"hour": 3, "minute": 2}
